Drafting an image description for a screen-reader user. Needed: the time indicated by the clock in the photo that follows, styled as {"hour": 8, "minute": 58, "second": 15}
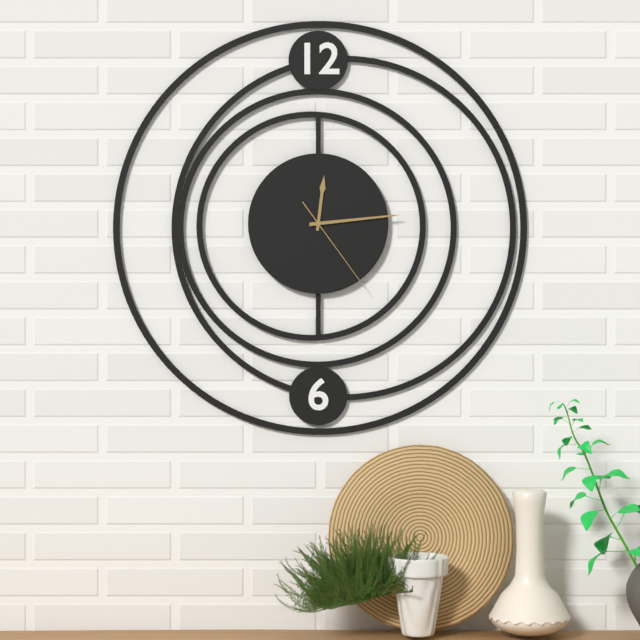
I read {"hour": 12, "minute": 14, "second": 24}
